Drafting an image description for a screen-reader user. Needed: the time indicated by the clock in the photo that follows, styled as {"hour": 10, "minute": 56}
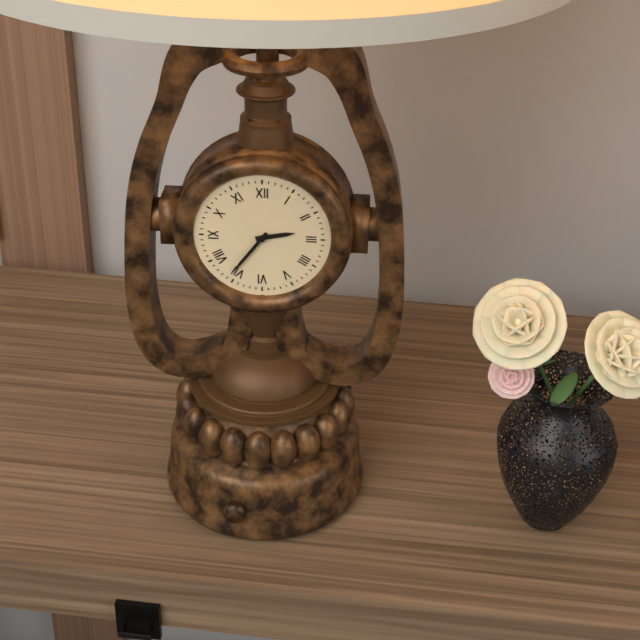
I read {"hour": 2, "minute": 36}
